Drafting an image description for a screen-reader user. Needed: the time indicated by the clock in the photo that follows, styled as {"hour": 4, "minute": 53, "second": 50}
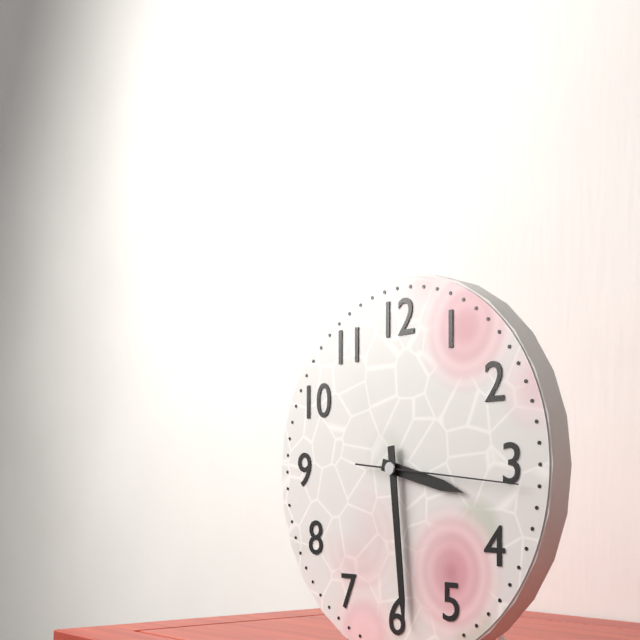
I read {"hour": 3, "minute": 29, "second": 16}
